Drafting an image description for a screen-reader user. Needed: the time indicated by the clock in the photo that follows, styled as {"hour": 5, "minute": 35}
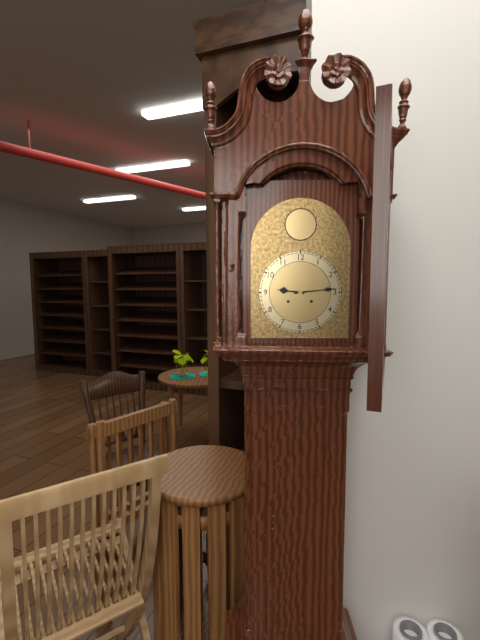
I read {"hour": 9, "minute": 14}
